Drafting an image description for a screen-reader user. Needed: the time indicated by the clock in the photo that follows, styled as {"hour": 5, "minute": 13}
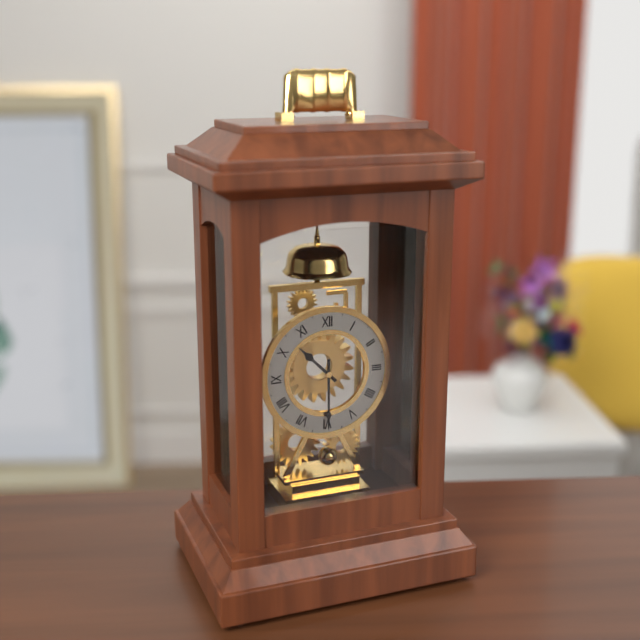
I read {"hour": 10, "minute": 30}
